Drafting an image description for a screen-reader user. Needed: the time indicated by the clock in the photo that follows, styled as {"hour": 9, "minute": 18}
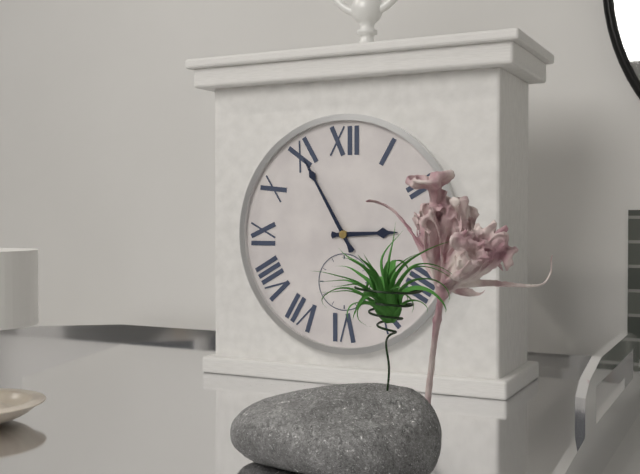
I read {"hour": 2, "minute": 55}
